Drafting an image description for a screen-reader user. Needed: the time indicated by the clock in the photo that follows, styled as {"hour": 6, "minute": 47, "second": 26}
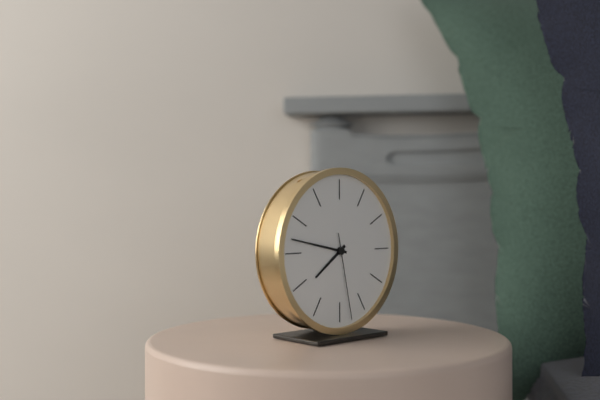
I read {"hour": 7, "minute": 47, "second": 28}
